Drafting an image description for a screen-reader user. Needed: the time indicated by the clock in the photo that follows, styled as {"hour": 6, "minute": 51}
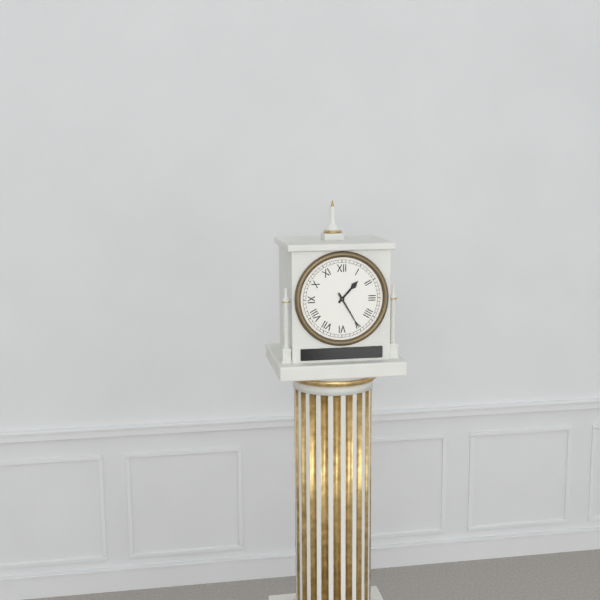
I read {"hour": 1, "minute": 25}
